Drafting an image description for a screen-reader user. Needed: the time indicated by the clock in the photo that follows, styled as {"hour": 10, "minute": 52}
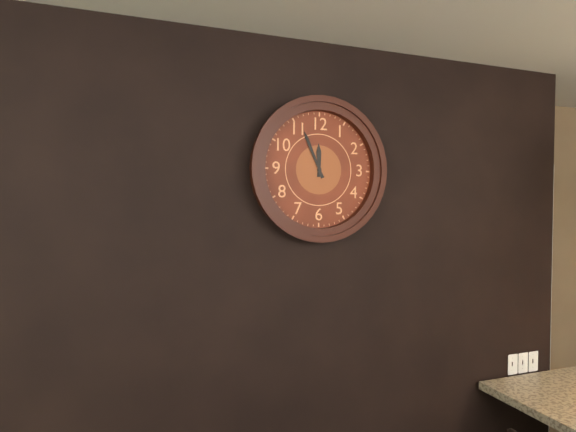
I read {"hour": 11, "minute": 56}
